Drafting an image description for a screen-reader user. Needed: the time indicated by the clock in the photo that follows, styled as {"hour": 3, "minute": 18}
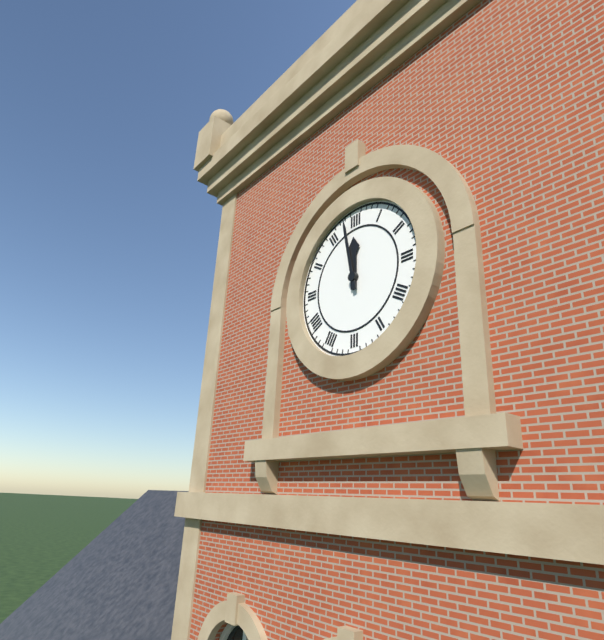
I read {"hour": 11, "minute": 58}
